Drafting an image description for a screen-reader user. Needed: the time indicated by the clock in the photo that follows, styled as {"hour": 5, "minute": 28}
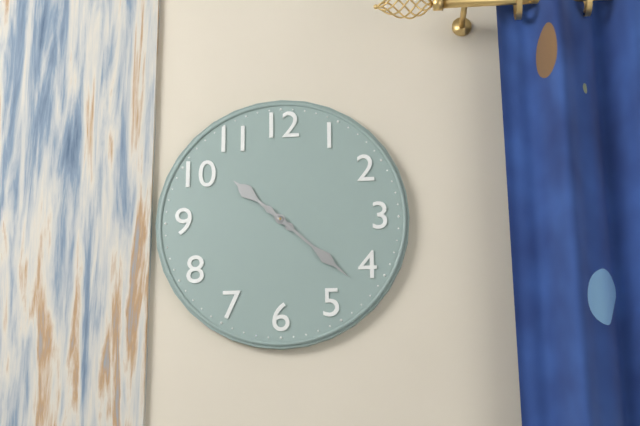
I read {"hour": 10, "minute": 22}
